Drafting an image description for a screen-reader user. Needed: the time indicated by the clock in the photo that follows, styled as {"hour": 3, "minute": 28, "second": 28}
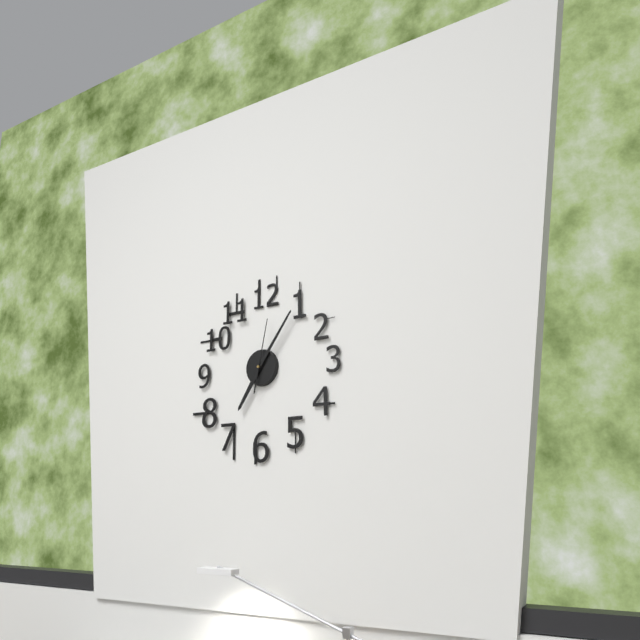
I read {"hour": 7, "minute": 6, "second": 2}
